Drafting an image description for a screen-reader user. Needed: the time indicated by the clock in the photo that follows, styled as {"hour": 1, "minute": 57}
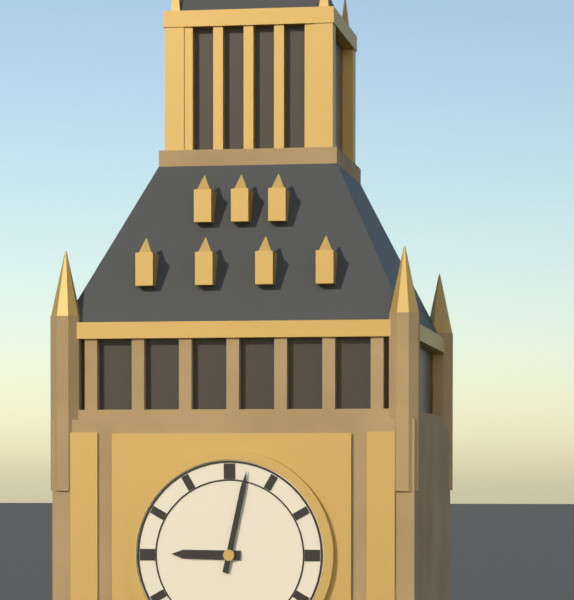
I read {"hour": 9, "minute": 2}
